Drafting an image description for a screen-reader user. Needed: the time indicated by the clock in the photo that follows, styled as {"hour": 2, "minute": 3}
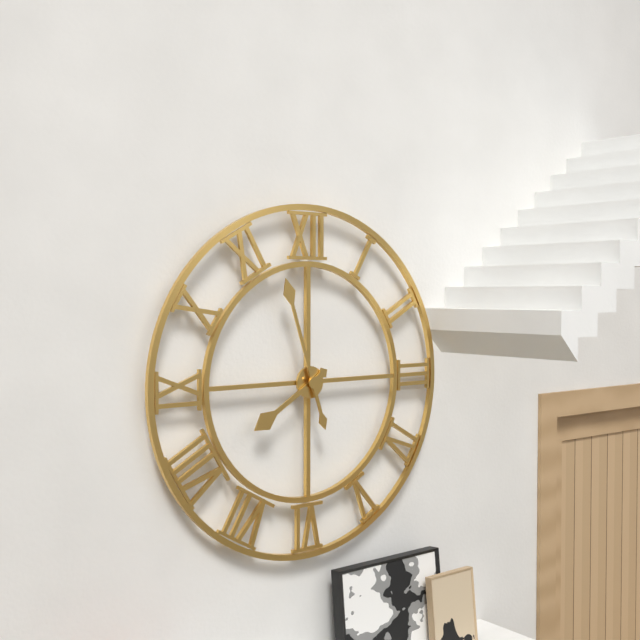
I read {"hour": 7, "minute": 57}
